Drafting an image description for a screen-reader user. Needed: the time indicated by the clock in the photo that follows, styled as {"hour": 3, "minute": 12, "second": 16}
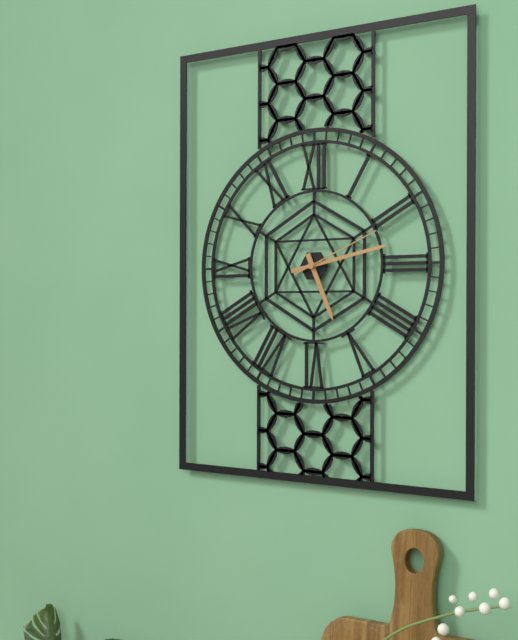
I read {"hour": 5, "minute": 13, "second": 11}
